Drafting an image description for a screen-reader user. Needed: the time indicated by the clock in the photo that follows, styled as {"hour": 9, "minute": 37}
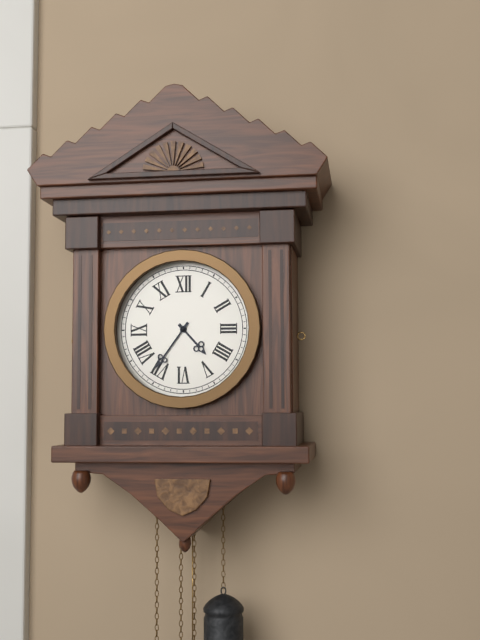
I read {"hour": 4, "minute": 36}
